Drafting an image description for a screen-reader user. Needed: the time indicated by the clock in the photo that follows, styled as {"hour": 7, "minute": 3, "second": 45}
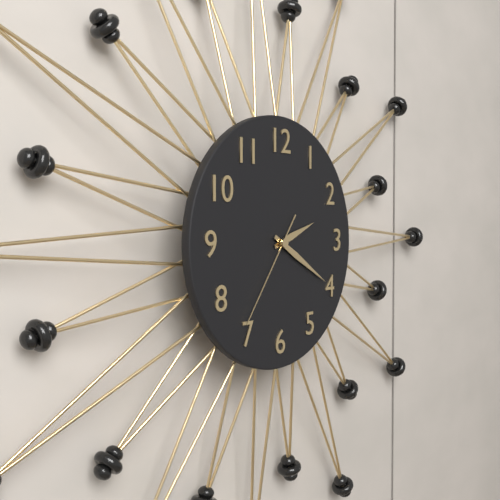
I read {"hour": 2, "minute": 20, "second": 36}
